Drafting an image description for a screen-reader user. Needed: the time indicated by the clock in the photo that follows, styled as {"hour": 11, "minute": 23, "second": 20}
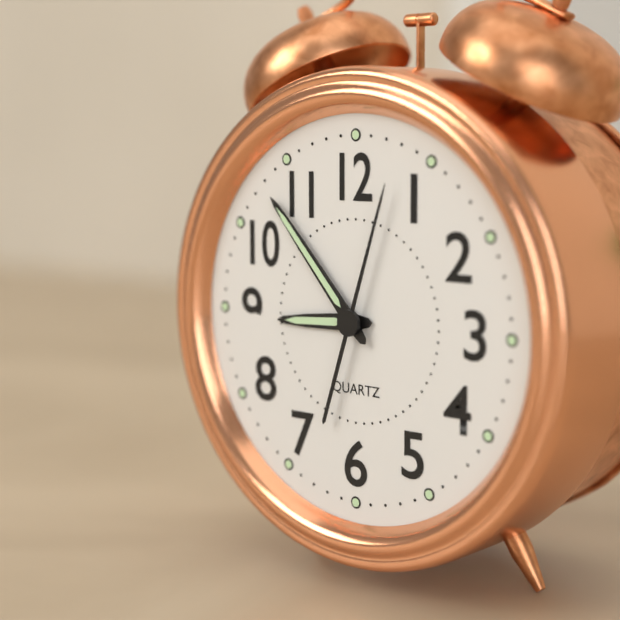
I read {"hour": 8, "minute": 53, "second": 3}
